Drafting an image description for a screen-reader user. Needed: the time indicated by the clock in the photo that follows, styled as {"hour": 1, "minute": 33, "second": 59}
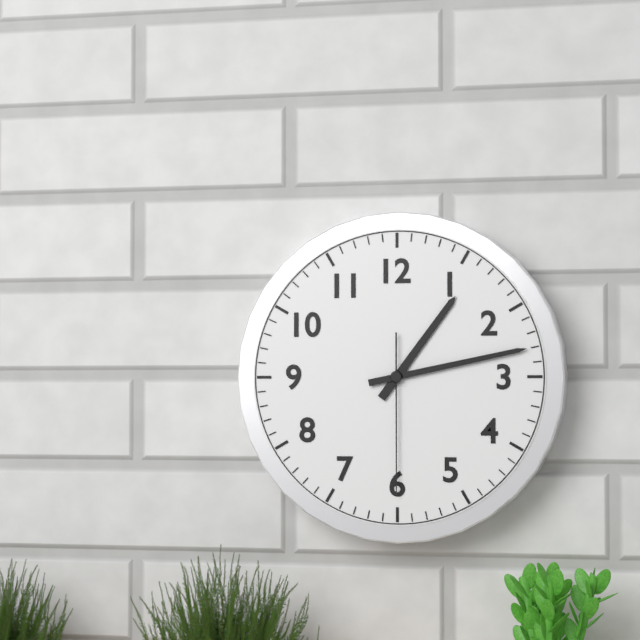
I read {"hour": 1, "minute": 13, "second": 30}
